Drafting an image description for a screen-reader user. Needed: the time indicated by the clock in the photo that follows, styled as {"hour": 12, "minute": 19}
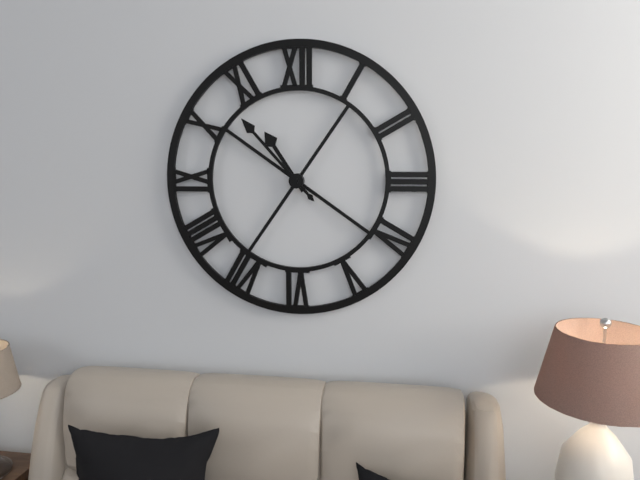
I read {"hour": 10, "minute": 53}
